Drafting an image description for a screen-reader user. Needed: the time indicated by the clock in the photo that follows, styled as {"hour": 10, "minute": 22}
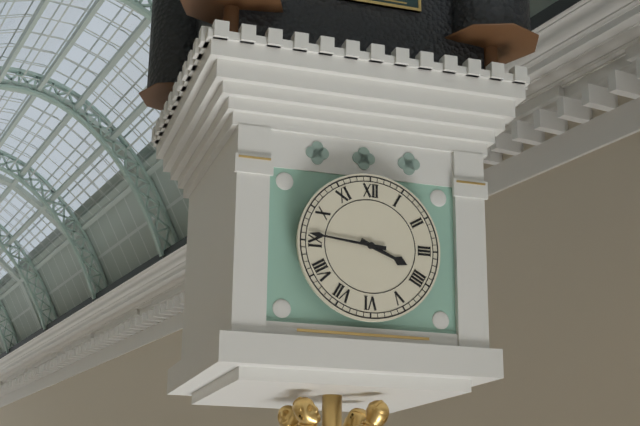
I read {"hour": 3, "minute": 46}
